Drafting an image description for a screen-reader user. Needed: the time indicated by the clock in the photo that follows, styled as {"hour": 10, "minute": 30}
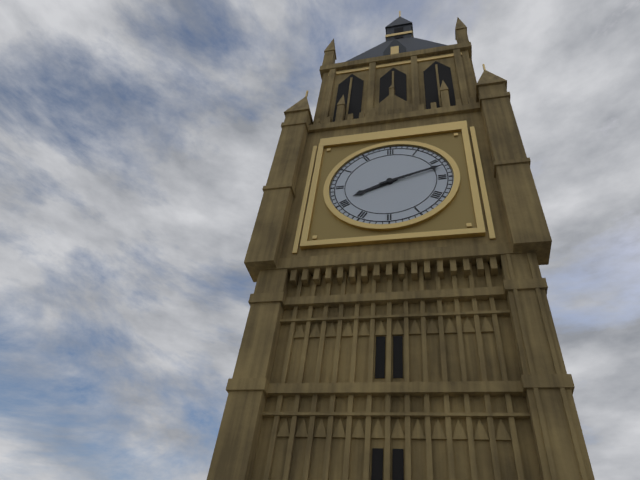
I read {"hour": 8, "minute": 12}
